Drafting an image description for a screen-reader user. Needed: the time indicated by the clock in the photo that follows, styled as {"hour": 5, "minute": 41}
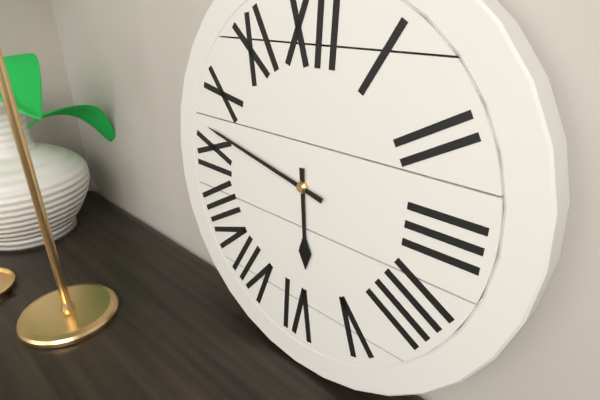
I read {"hour": 5, "minute": 47}
